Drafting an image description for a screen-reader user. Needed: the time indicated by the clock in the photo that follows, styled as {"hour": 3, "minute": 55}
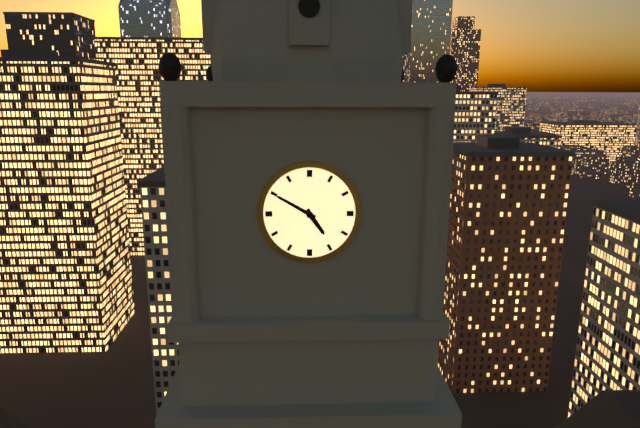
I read {"hour": 4, "minute": 50}
